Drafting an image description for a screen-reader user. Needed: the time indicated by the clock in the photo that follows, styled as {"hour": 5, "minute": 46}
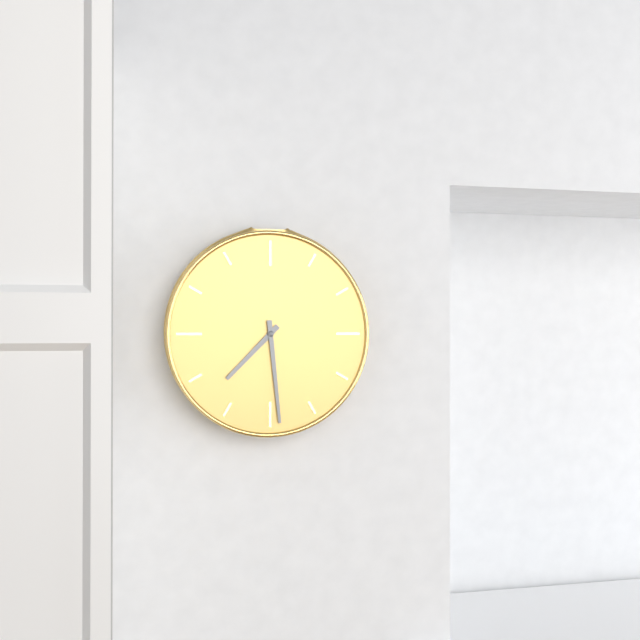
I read {"hour": 7, "minute": 29}
